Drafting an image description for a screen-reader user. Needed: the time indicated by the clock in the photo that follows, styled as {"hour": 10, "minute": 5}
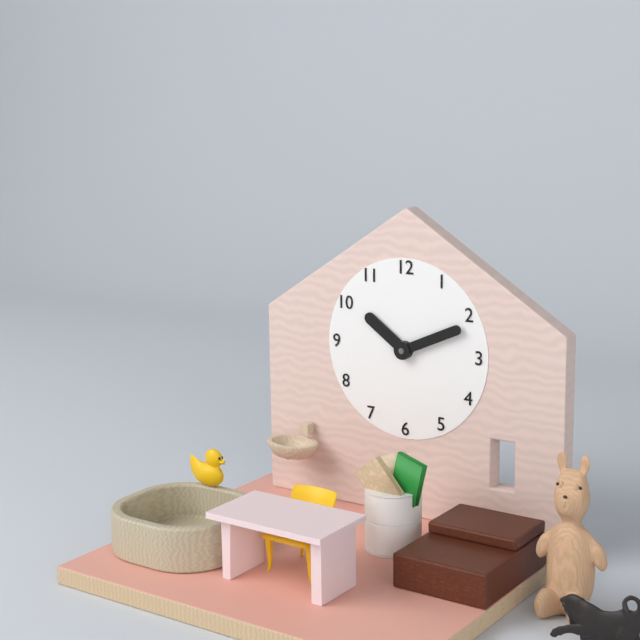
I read {"hour": 10, "minute": 11}
